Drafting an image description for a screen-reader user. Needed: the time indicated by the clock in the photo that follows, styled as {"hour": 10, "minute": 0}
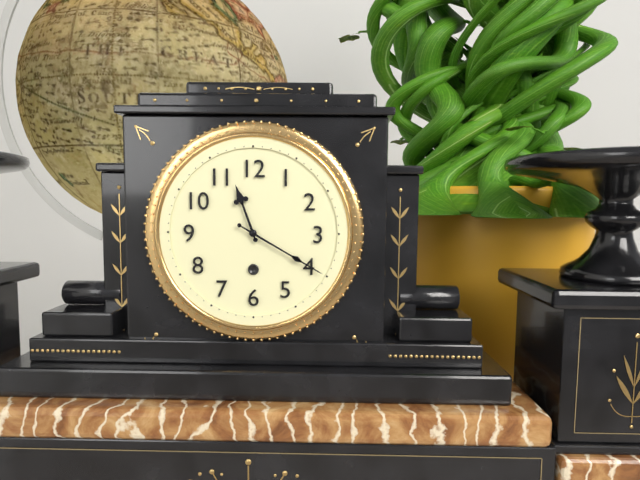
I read {"hour": 11, "minute": 20}
